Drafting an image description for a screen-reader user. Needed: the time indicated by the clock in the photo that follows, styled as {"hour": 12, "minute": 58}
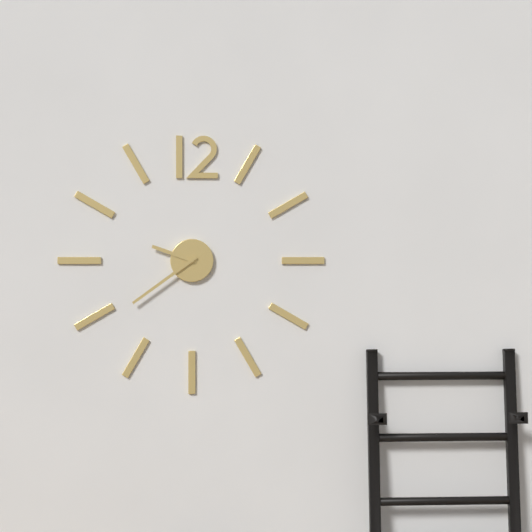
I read {"hour": 9, "minute": 39}
